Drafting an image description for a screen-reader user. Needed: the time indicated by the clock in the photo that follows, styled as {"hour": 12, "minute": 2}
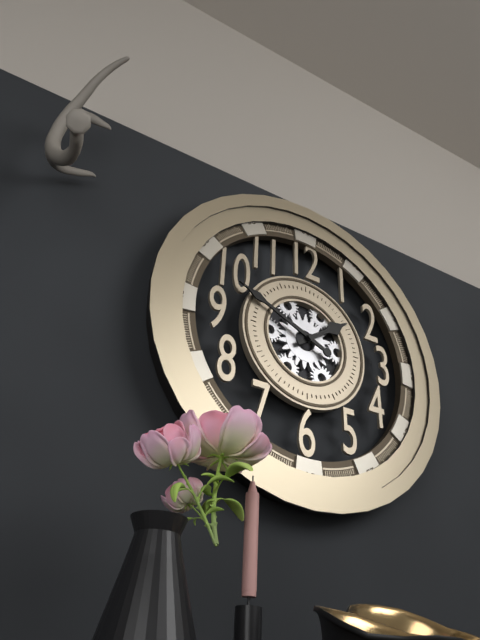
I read {"hour": 1, "minute": 49}
